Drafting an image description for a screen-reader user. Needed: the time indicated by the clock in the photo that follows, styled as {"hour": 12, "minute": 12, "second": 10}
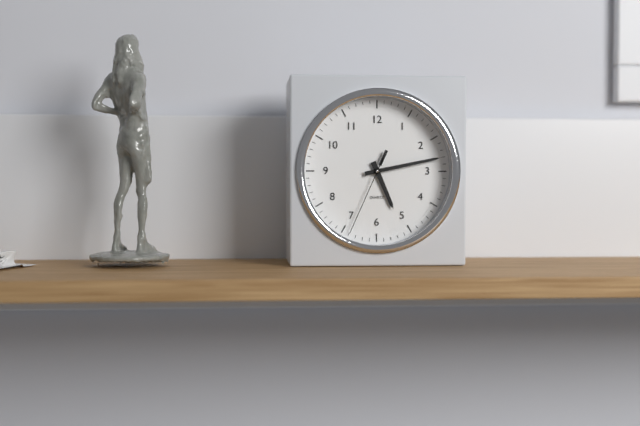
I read {"hour": 5, "minute": 13, "second": 34}
